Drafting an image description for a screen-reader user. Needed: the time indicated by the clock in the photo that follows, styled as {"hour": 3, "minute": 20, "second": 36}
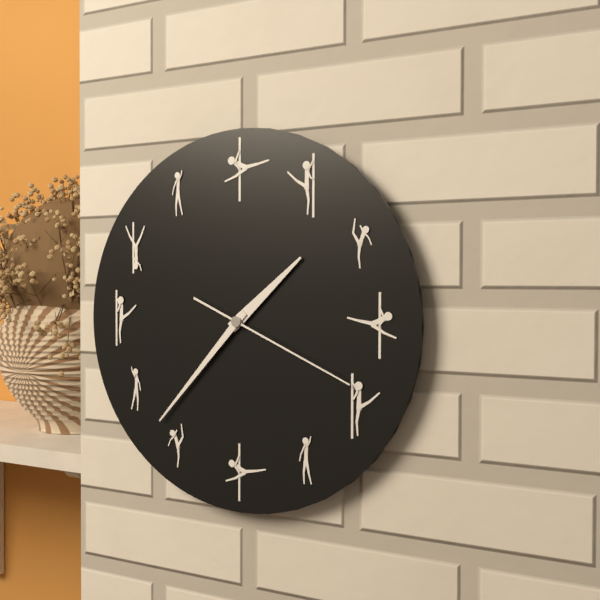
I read {"hour": 1, "minute": 37, "second": 19}
